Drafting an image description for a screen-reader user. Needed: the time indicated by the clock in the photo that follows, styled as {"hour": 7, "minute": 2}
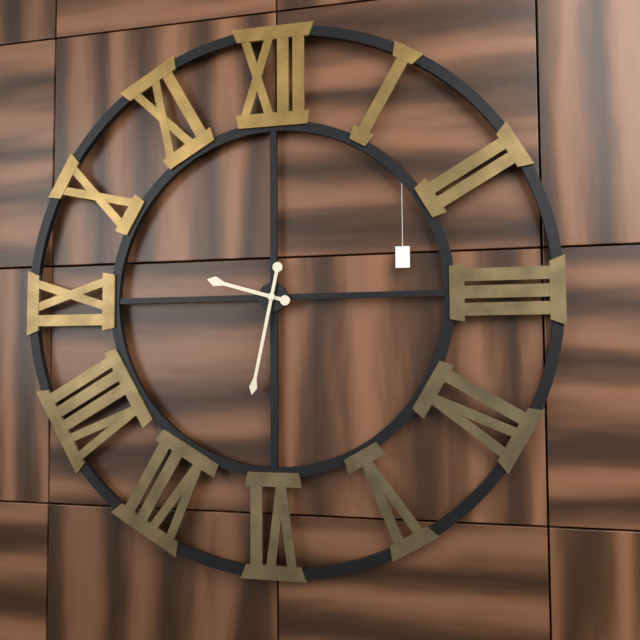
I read {"hour": 9, "minute": 32}
